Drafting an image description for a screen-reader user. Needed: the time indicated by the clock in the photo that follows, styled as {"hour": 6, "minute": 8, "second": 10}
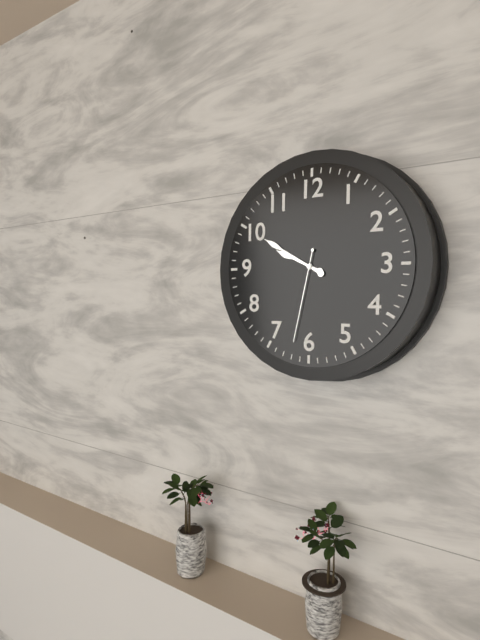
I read {"hour": 9, "minute": 50, "second": 32}
